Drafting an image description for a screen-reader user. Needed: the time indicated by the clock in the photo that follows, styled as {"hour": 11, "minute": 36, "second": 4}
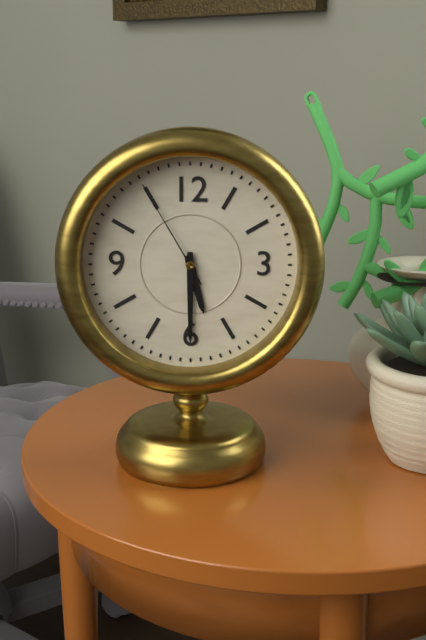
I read {"hour": 5, "minute": 30, "second": 55}
